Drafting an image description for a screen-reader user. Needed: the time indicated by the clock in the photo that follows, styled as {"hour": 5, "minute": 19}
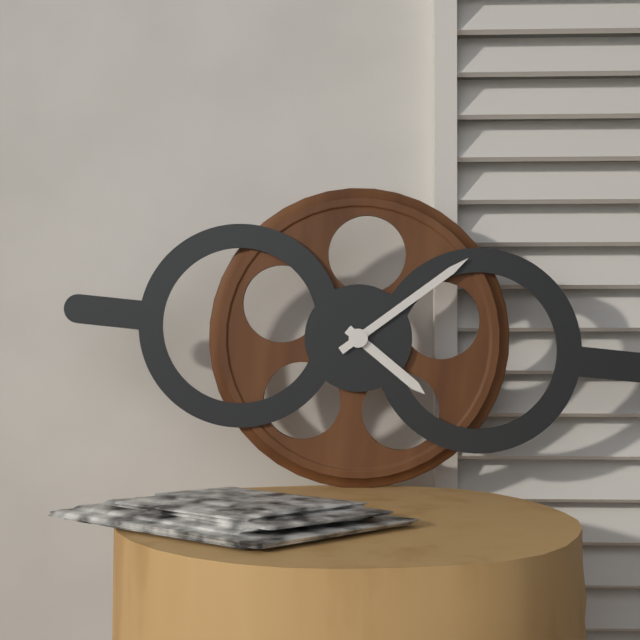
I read {"hour": 4, "minute": 8}
